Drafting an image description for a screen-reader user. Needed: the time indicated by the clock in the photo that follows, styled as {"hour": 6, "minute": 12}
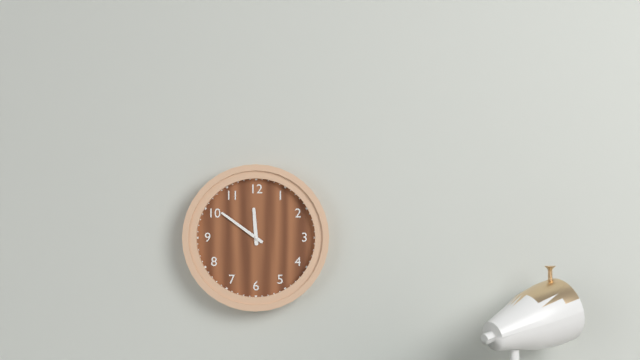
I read {"hour": 11, "minute": 51}
